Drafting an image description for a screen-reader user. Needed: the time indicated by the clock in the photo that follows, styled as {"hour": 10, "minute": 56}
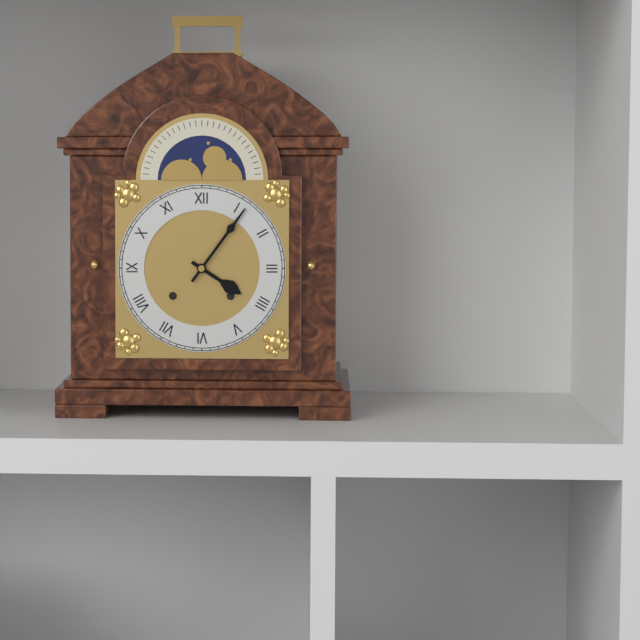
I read {"hour": 4, "minute": 6}
